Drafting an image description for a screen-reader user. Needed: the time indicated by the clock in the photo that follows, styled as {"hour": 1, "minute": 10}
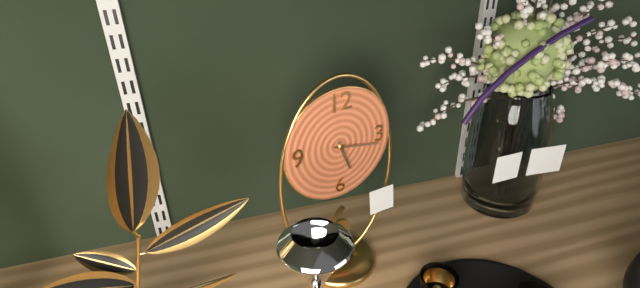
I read {"hour": 5, "minute": 17}
